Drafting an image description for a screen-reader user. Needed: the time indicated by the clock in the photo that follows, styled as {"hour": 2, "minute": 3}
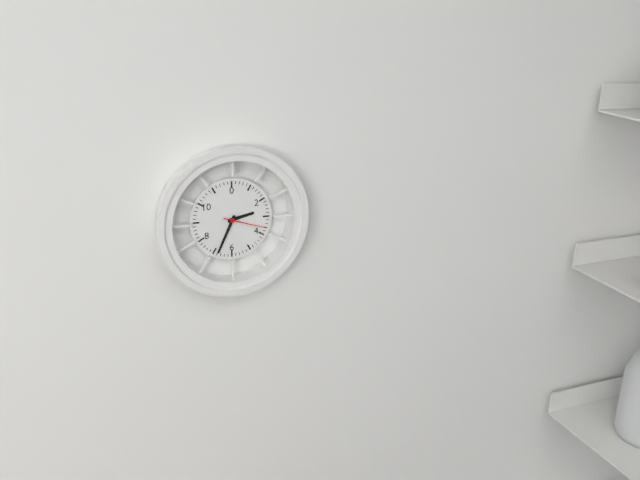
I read {"hour": 2, "minute": 34}
